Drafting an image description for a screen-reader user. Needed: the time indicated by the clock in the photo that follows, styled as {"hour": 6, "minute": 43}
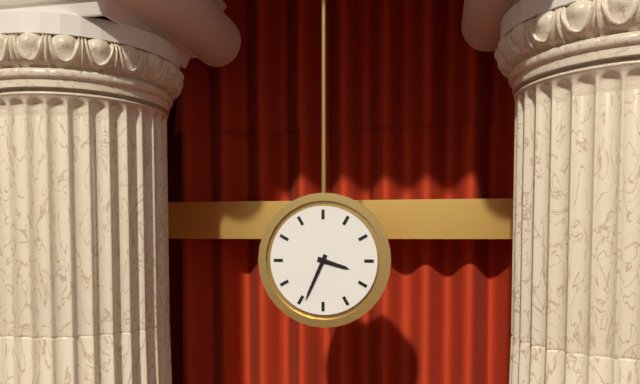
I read {"hour": 3, "minute": 34}
